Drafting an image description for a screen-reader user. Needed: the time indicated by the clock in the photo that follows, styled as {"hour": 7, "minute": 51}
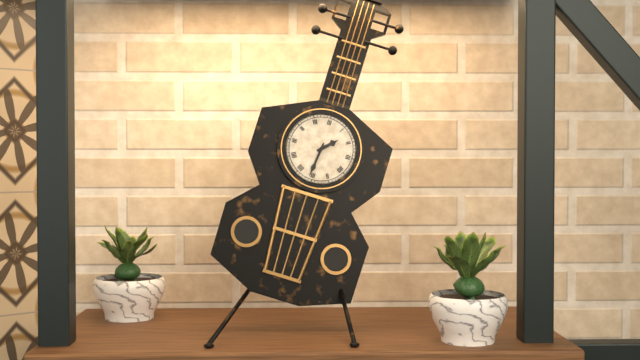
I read {"hour": 1, "minute": 31}
